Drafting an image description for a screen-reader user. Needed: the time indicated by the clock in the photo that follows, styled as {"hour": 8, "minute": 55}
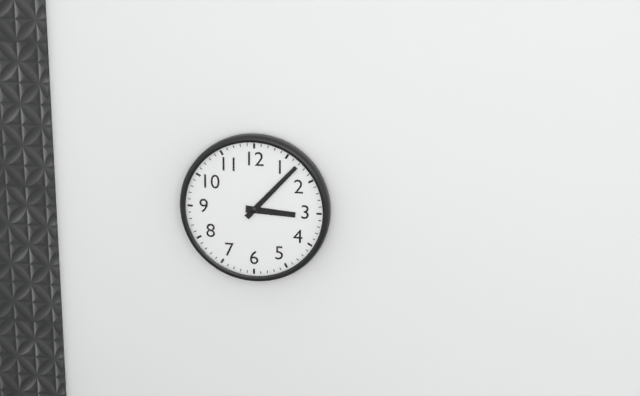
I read {"hour": 3, "minute": 7}
